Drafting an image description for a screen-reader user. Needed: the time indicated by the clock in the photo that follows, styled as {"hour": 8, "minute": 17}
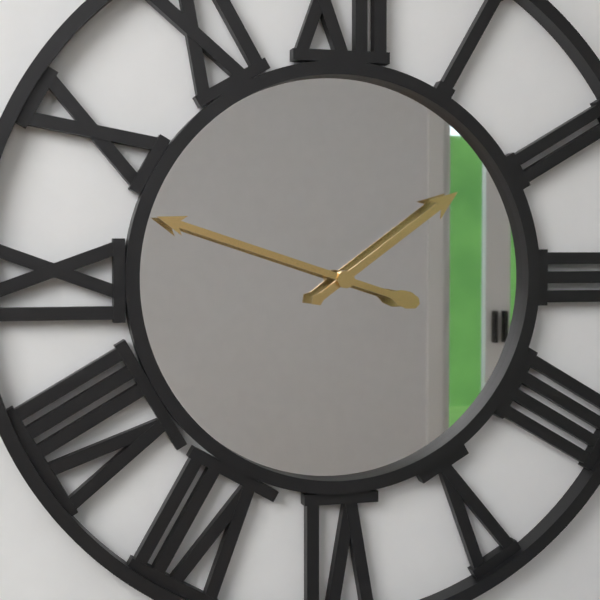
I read {"hour": 1, "minute": 48}
